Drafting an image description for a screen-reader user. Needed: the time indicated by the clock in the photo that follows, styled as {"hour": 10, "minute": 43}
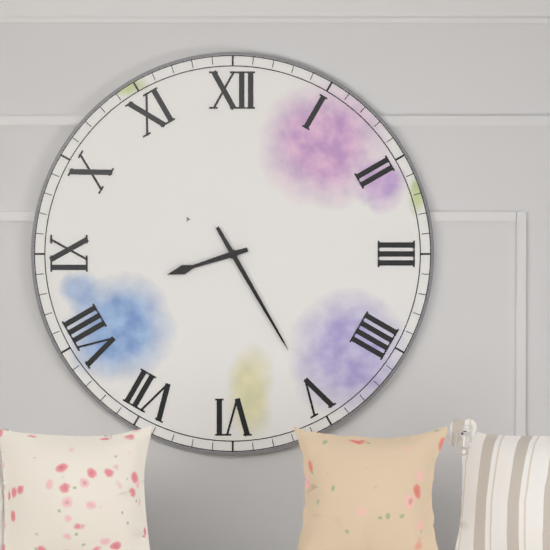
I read {"hour": 8, "minute": 25}
